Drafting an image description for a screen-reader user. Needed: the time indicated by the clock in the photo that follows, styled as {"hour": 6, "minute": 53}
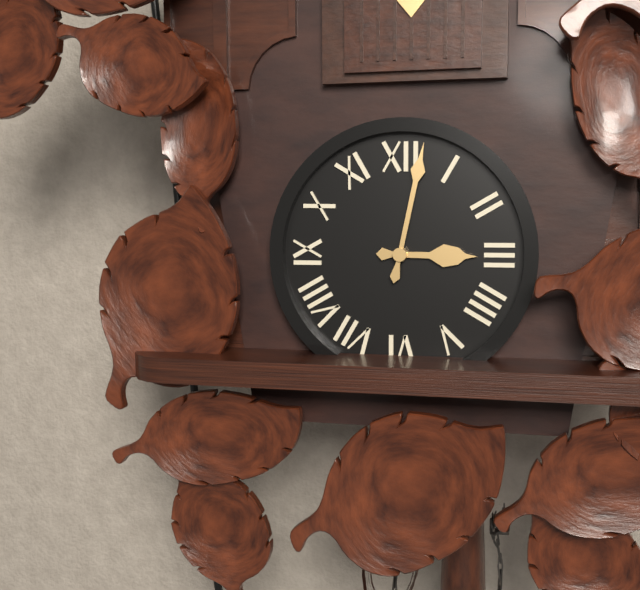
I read {"hour": 3, "minute": 2}
